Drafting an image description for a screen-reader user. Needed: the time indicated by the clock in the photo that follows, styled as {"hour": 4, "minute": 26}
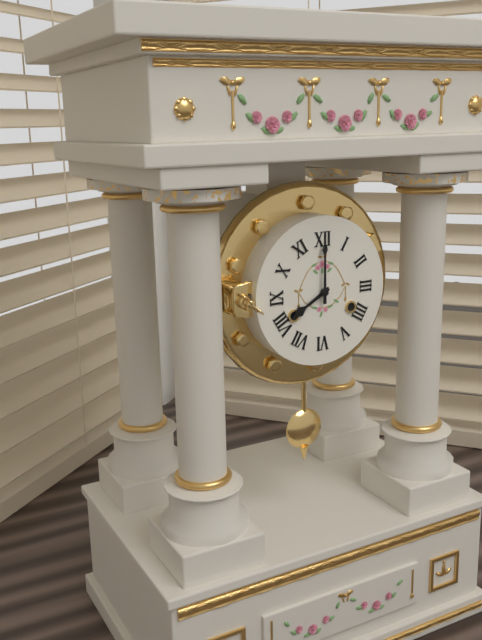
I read {"hour": 8, "minute": 0}
